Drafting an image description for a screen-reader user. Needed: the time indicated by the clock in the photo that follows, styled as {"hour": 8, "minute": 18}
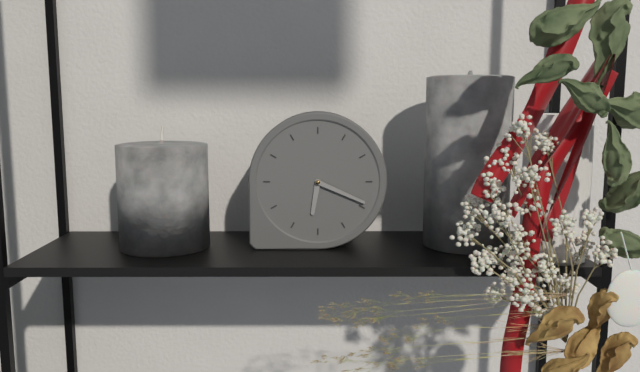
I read {"hour": 6, "minute": 19}
